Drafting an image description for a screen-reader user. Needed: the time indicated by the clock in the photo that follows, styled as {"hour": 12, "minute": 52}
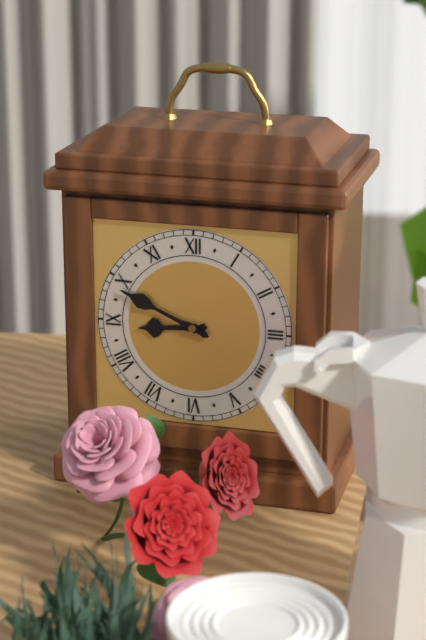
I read {"hour": 8, "minute": 49}
